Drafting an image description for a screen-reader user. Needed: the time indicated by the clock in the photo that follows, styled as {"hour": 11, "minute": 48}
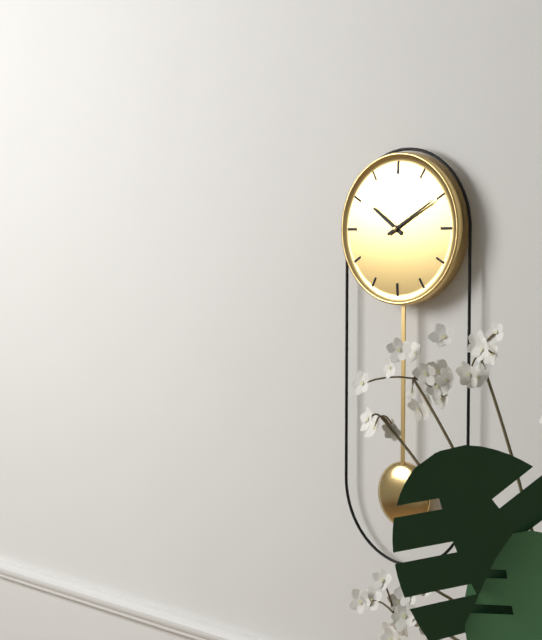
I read {"hour": 10, "minute": 10}
